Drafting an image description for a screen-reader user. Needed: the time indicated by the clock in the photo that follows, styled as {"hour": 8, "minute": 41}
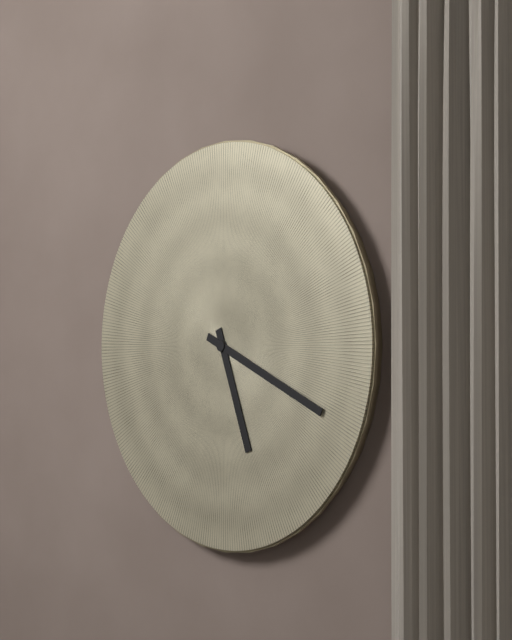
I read {"hour": 5, "minute": 19}
